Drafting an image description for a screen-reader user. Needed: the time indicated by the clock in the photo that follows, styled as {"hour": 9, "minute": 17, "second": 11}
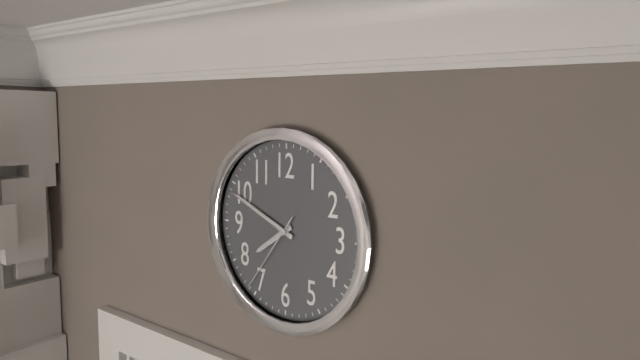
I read {"hour": 7, "minute": 49, "second": 36}
